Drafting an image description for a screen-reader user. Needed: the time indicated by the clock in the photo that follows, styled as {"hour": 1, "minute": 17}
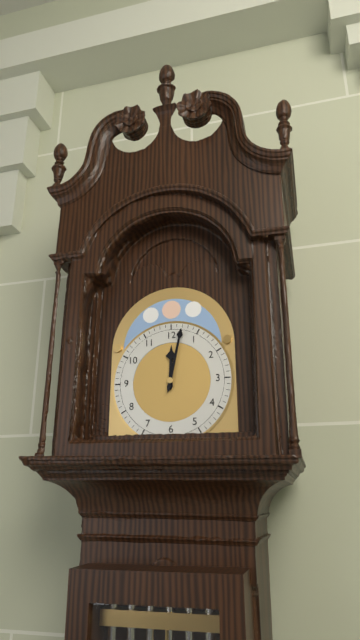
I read {"hour": 12, "minute": 2}
